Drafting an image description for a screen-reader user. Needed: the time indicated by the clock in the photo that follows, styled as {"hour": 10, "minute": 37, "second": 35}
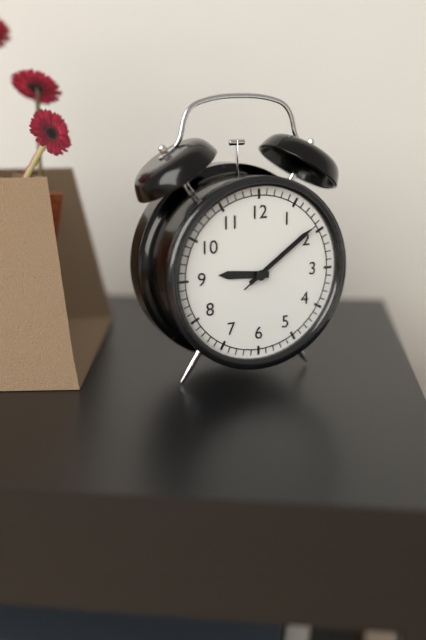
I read {"hour": 9, "minute": 9, "second": 9}
